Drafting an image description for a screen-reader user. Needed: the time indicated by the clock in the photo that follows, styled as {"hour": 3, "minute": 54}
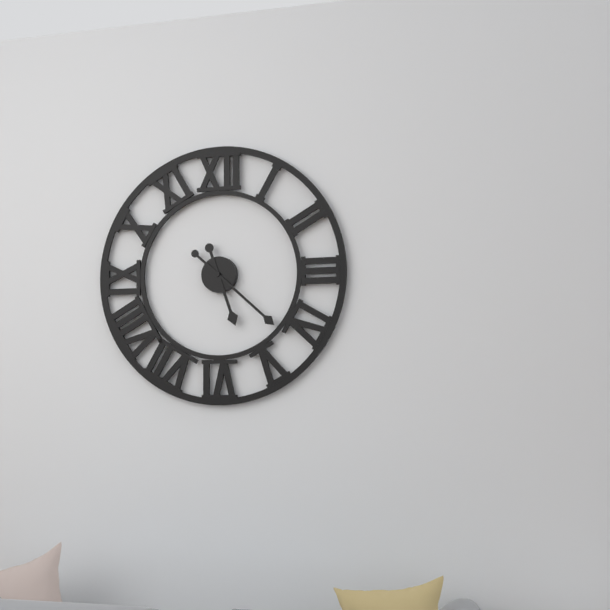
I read {"hour": 5, "minute": 22}
